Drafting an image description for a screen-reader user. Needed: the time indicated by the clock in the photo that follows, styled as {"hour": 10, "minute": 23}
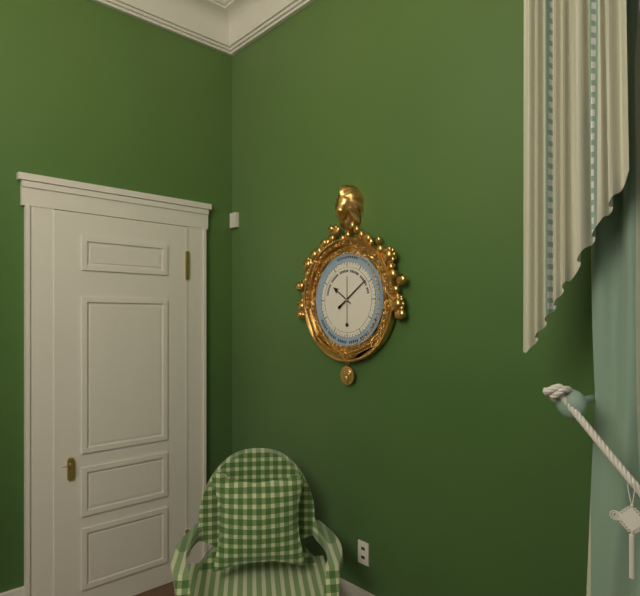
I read {"hour": 10, "minute": 9}
